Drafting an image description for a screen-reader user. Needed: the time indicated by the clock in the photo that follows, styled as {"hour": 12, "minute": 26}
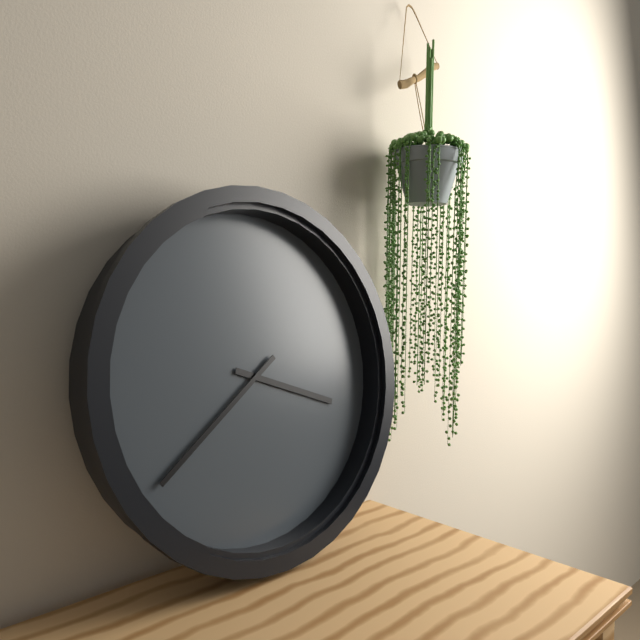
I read {"hour": 3, "minute": 39}
